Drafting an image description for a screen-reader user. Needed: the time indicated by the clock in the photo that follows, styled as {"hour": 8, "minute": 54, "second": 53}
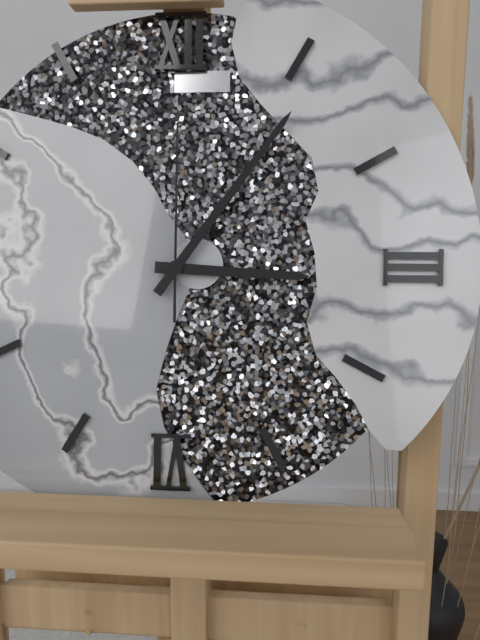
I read {"hour": 3, "minute": 6, "second": 0}
